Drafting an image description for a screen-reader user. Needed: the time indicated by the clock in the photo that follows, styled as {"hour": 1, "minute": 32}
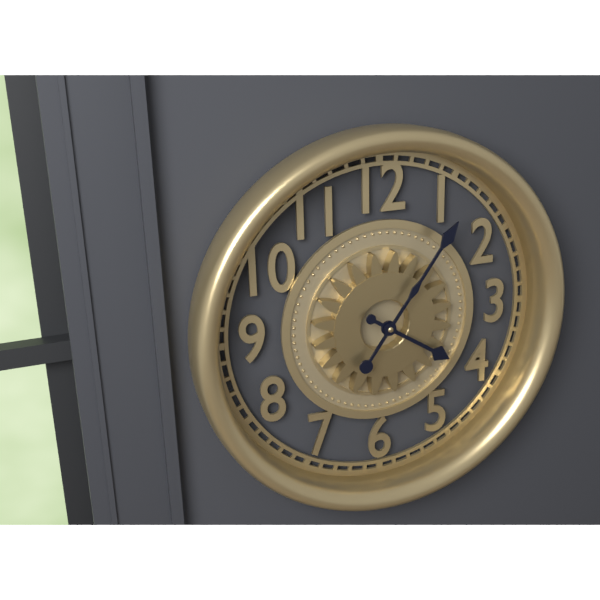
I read {"hour": 4, "minute": 6}
